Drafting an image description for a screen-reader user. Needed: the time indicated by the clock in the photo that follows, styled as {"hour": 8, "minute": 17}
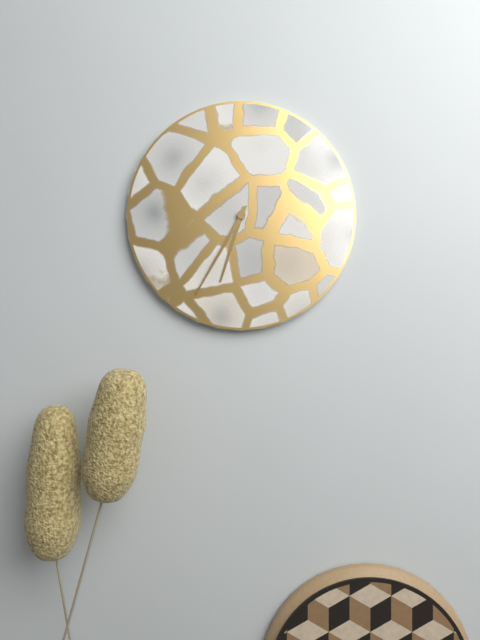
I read {"hour": 6, "minute": 35}
